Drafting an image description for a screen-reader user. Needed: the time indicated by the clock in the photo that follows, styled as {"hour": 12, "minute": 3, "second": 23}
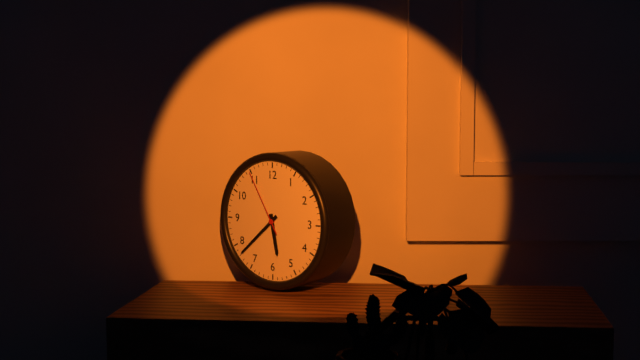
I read {"hour": 5, "minute": 38, "second": 55}
